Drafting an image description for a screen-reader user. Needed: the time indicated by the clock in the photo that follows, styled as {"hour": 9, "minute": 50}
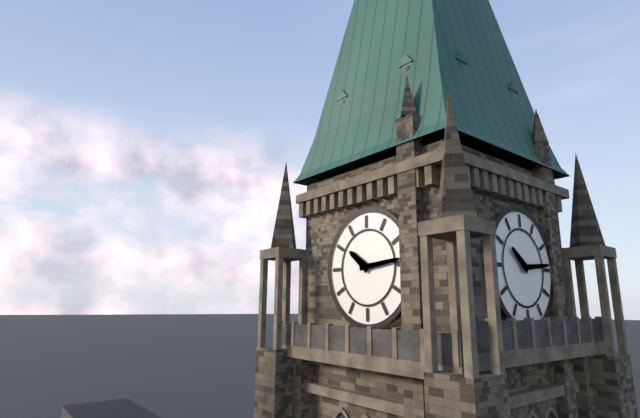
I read {"hour": 10, "minute": 14}
